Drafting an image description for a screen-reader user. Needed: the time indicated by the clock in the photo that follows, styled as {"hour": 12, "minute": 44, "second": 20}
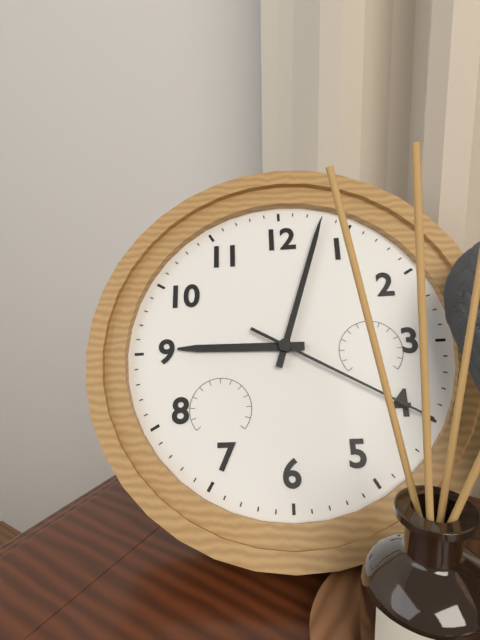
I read {"hour": 9, "minute": 3, "second": 20}
